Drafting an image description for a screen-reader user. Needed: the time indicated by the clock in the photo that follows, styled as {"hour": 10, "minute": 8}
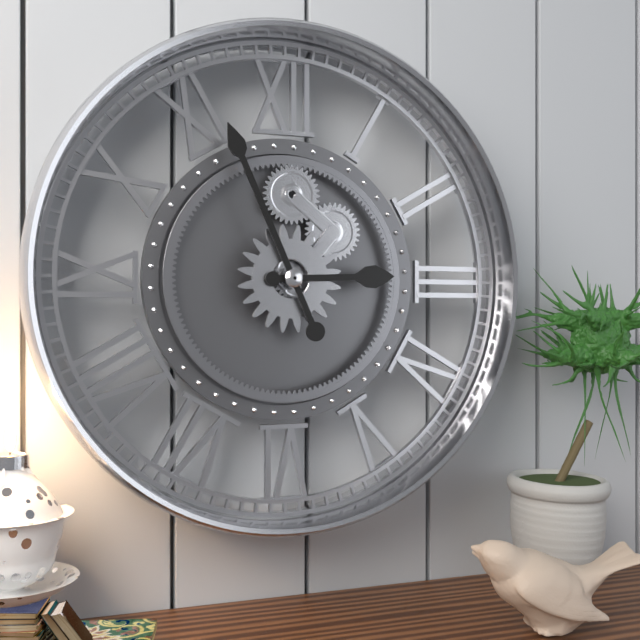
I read {"hour": 2, "minute": 56}
